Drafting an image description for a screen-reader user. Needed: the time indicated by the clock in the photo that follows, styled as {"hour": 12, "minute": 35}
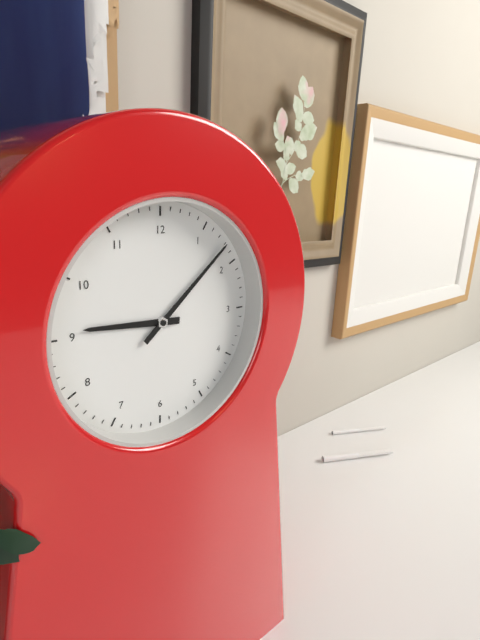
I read {"hour": 9, "minute": 8}
